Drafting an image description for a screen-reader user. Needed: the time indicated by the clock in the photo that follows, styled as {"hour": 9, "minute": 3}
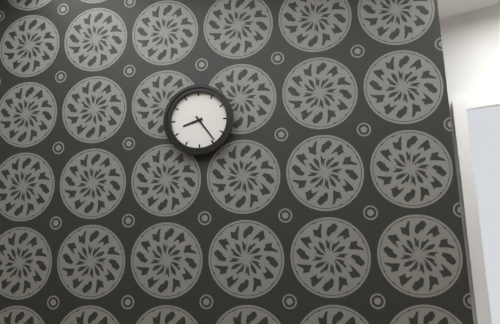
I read {"hour": 8, "minute": 24}
